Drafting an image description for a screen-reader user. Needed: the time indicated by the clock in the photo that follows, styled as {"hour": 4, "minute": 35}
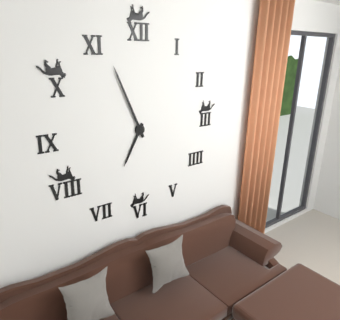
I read {"hour": 6, "minute": 56}
